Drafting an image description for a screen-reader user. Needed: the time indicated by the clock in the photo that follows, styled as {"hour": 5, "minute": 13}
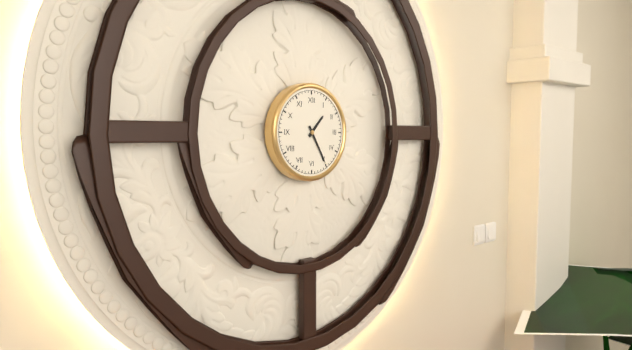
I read {"hour": 1, "minute": 25}
